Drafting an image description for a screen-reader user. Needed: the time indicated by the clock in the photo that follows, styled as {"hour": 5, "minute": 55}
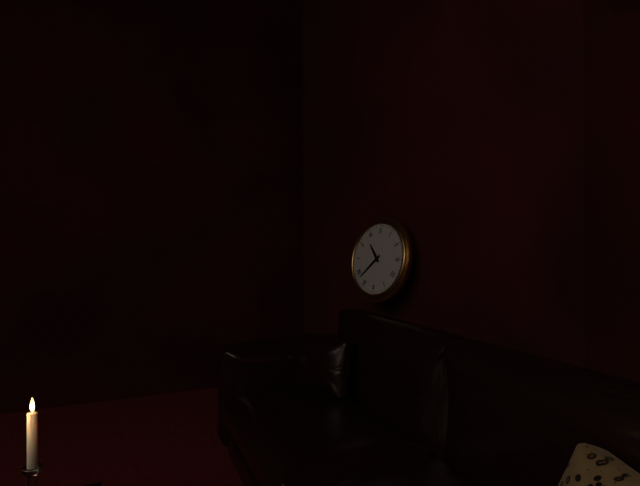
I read {"hour": 10, "minute": 38}
